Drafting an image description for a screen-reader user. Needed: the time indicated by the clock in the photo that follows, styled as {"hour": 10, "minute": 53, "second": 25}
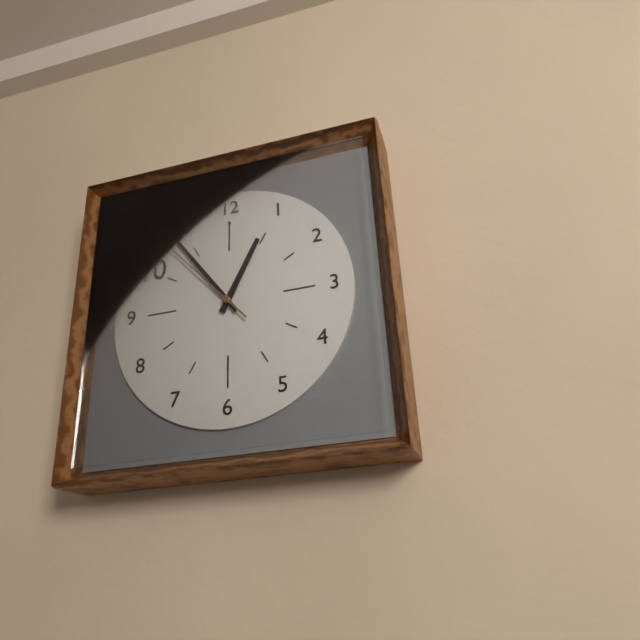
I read {"hour": 12, "minute": 54, "second": 53}
